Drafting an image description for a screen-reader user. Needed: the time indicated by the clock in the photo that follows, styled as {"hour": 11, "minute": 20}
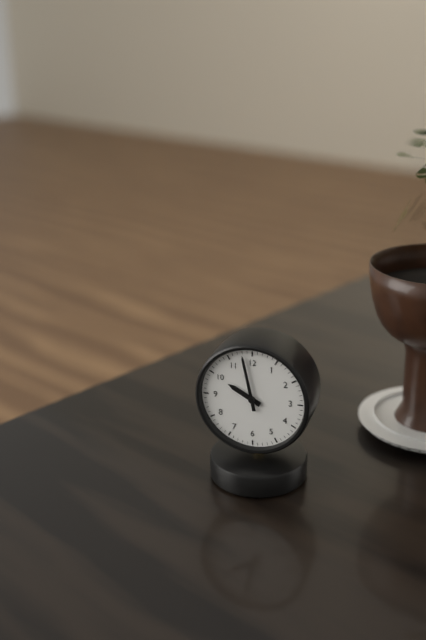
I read {"hour": 9, "minute": 58}
